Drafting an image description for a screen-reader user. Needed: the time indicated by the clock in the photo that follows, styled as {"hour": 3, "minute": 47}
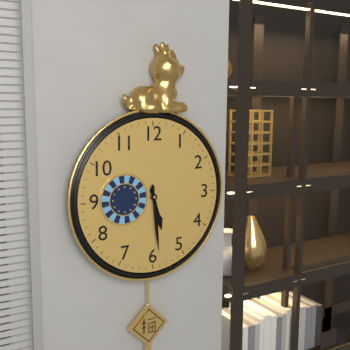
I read {"hour": 5, "minute": 29}
